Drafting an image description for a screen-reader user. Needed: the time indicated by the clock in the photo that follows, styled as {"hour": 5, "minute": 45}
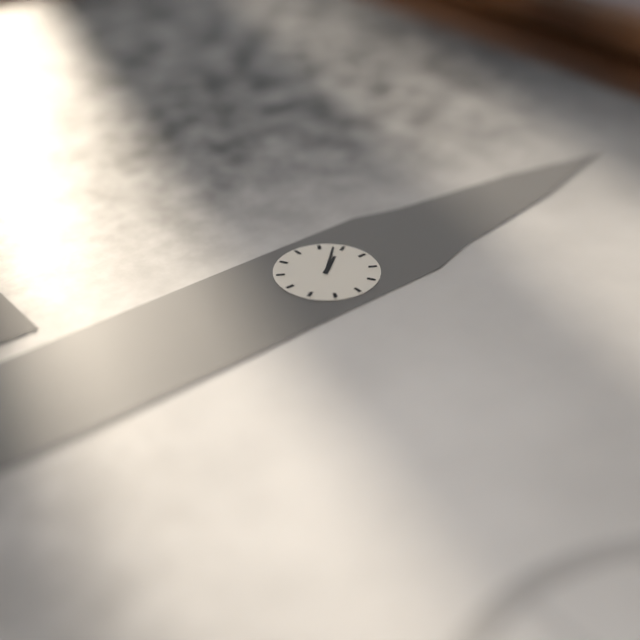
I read {"hour": 10, "minute": 53}
